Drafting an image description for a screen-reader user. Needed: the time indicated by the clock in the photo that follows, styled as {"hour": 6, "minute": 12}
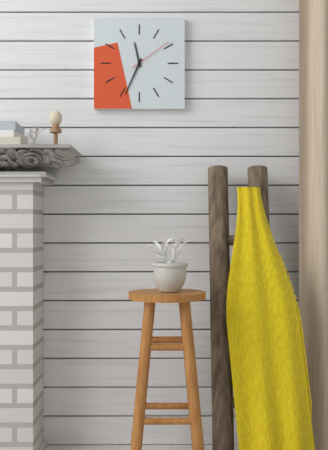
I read {"hour": 11, "minute": 34}
